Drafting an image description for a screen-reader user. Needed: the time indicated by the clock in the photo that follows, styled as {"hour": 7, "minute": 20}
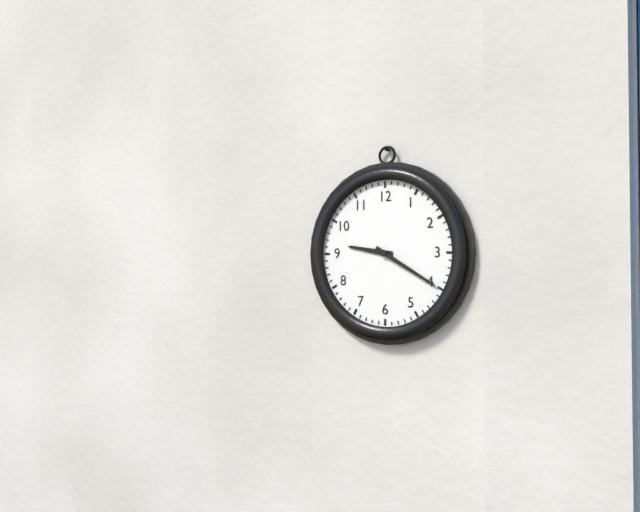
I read {"hour": 9, "minute": 20}
